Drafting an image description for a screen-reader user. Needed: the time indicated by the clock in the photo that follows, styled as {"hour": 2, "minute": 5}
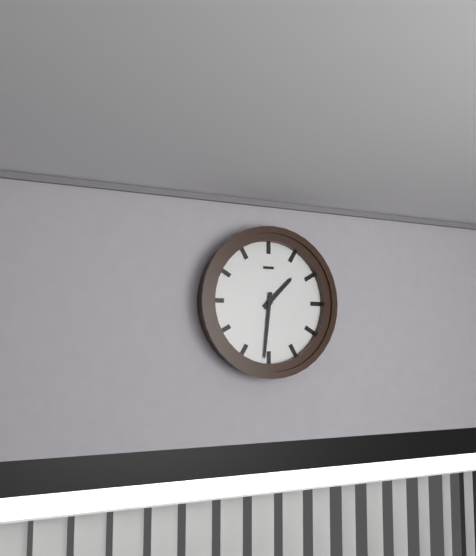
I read {"hour": 1, "minute": 31}
